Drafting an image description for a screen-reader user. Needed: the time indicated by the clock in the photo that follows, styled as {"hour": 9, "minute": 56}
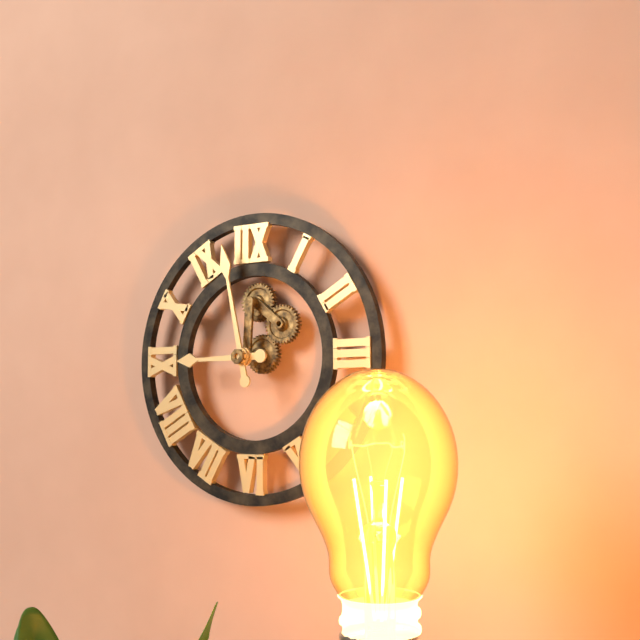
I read {"hour": 8, "minute": 58}
